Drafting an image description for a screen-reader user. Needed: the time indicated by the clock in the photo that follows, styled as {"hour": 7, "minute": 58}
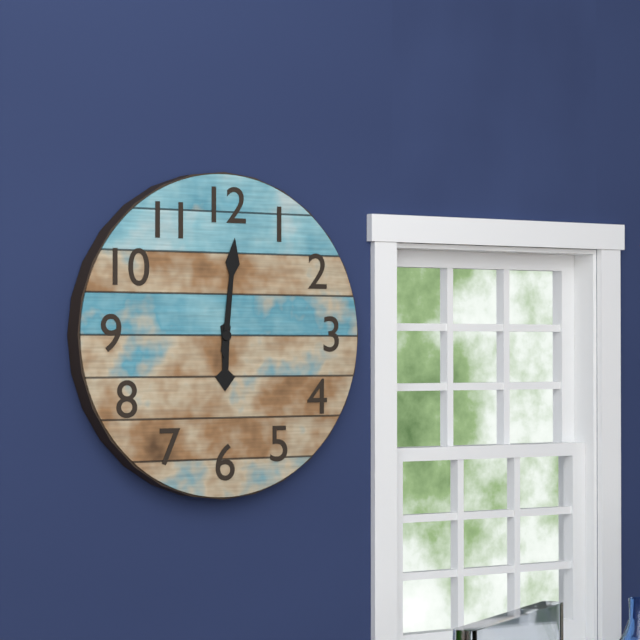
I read {"hour": 6, "minute": 1}
